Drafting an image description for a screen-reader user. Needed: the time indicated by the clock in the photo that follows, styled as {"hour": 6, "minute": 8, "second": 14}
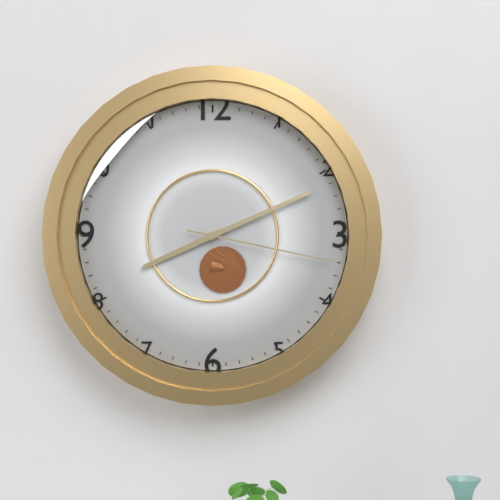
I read {"hour": 8, "minute": 11, "second": 17}
